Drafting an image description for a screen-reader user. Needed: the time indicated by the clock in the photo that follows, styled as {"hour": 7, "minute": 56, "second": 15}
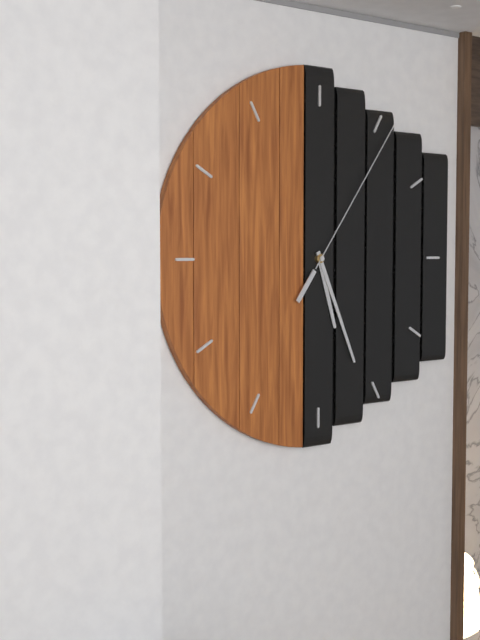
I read {"hour": 5, "minute": 26, "second": 6}
